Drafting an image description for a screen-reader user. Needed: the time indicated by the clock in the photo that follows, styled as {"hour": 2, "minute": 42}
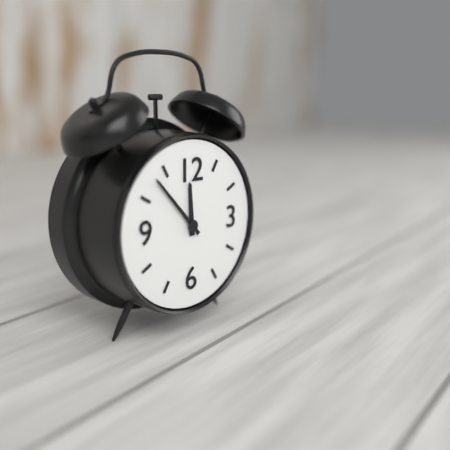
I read {"hour": 11, "minute": 53}
